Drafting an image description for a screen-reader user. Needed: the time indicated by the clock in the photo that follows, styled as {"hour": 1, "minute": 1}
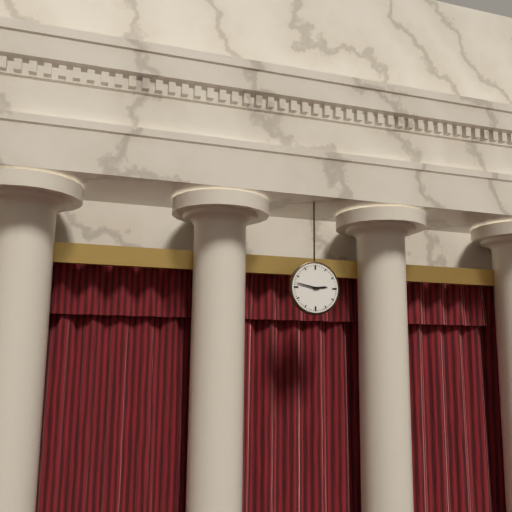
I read {"hour": 2, "minute": 47}
